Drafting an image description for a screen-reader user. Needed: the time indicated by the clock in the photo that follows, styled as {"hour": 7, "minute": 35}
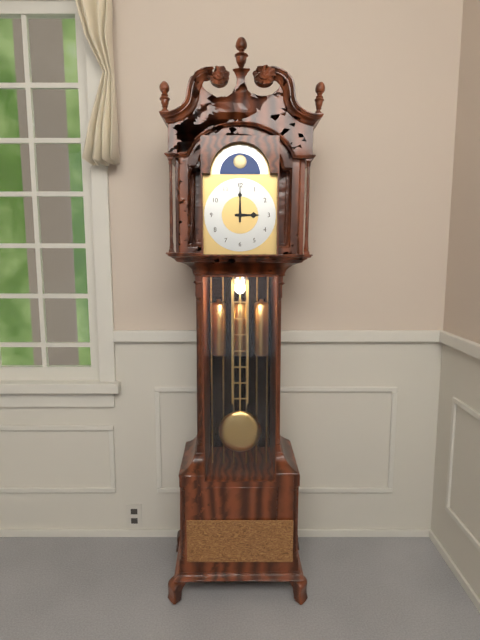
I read {"hour": 3, "minute": 0}
